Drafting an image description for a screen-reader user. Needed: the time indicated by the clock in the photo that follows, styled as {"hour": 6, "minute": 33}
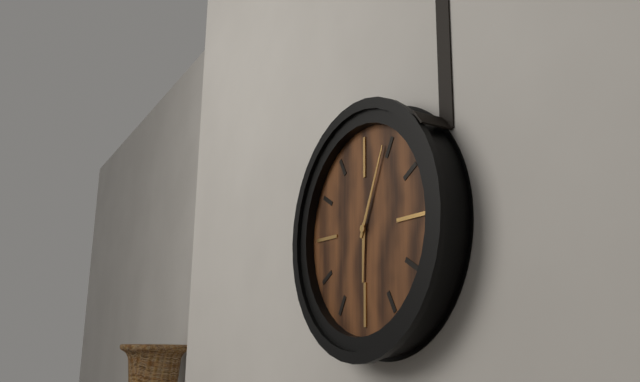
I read {"hour": 6, "minute": 4}
